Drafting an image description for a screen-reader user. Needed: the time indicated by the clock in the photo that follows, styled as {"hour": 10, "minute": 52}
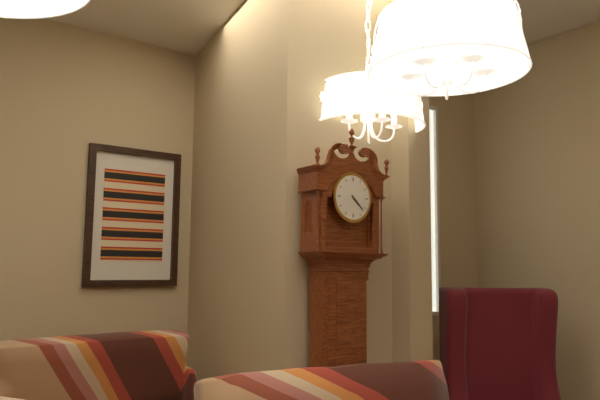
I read {"hour": 4, "minute": 22}
